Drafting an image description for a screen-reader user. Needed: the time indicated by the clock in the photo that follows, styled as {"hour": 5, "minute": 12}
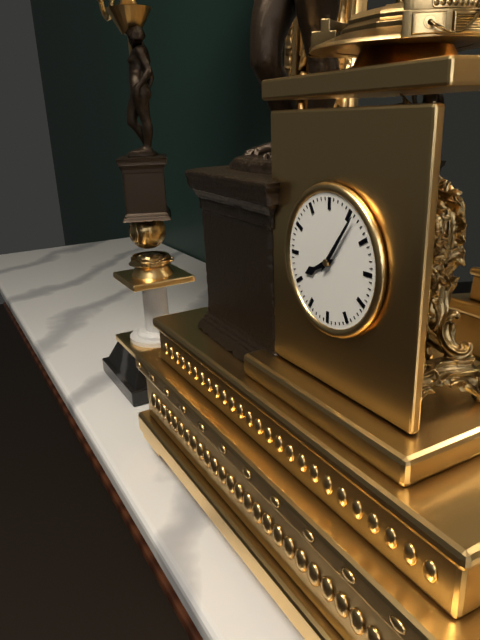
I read {"hour": 8, "minute": 6}
